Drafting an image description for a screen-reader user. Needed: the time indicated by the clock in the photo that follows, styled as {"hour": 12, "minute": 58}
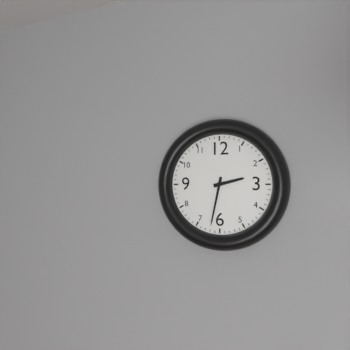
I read {"hour": 2, "minute": 32}
